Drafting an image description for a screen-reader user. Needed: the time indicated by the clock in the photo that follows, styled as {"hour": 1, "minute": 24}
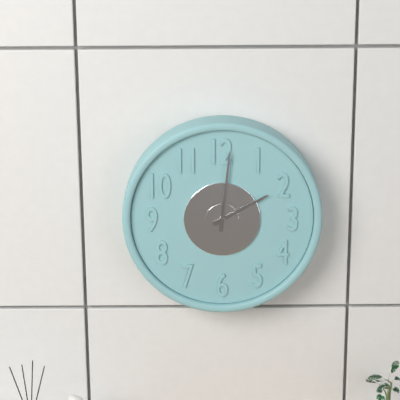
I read {"hour": 2, "minute": 1}
